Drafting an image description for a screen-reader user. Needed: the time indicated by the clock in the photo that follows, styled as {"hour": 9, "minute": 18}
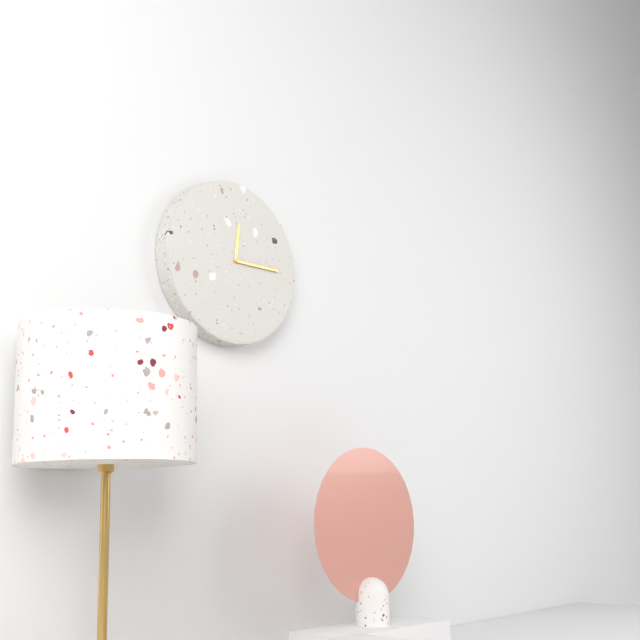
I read {"hour": 12, "minute": 15}
